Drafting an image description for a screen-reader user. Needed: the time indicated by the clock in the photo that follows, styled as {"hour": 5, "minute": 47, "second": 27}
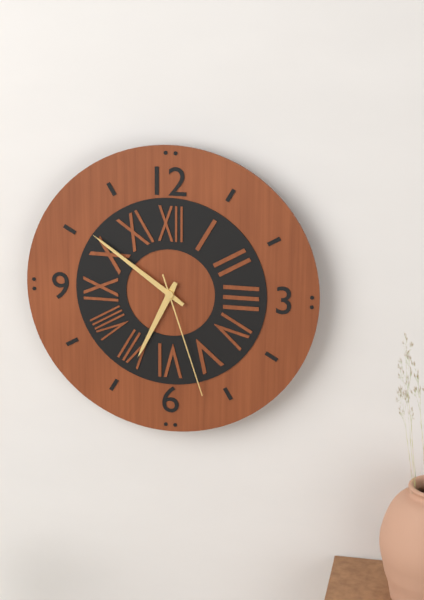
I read {"hour": 6, "minute": 51, "second": 27}
